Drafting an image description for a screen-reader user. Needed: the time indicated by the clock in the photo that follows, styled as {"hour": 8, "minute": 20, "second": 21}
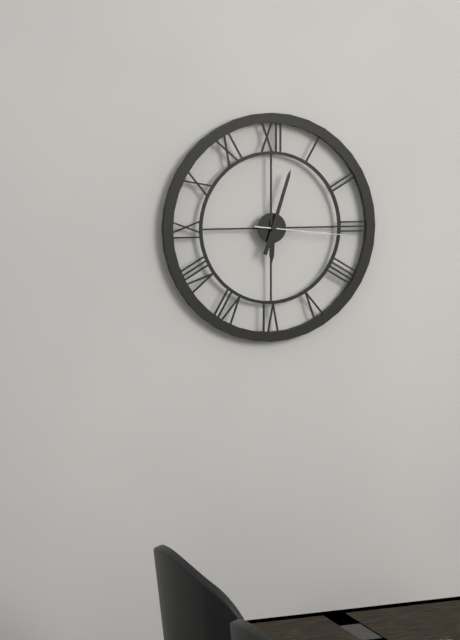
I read {"hour": 6, "minute": 3, "second": 16}
